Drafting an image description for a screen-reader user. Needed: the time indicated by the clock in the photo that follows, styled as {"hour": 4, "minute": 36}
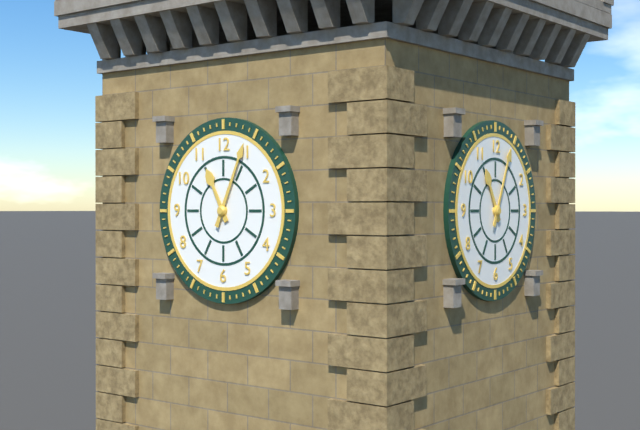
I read {"hour": 11, "minute": 4}
